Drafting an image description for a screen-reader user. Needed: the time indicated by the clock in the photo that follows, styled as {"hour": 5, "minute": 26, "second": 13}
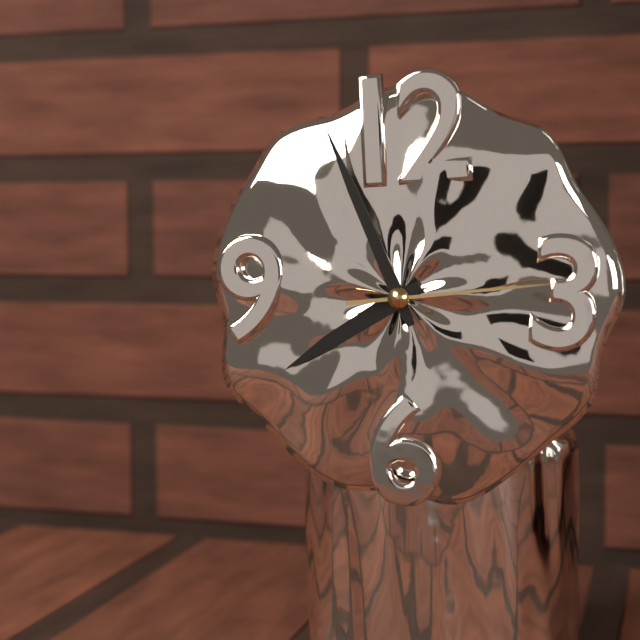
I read {"hour": 7, "minute": 56, "second": 14}
